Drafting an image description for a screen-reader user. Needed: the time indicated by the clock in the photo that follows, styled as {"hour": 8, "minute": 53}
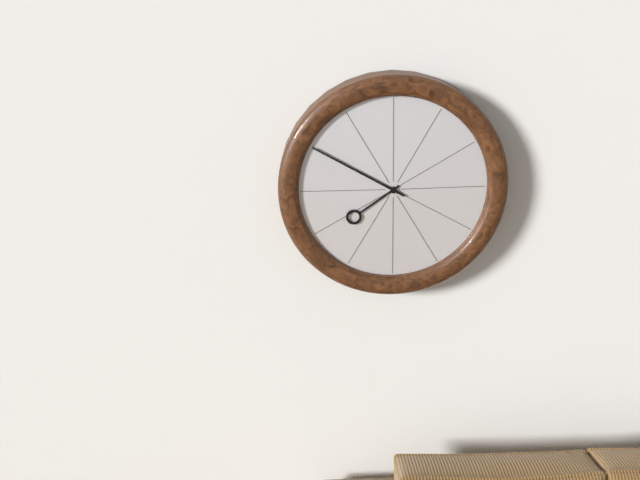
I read {"hour": 7, "minute": 50}
